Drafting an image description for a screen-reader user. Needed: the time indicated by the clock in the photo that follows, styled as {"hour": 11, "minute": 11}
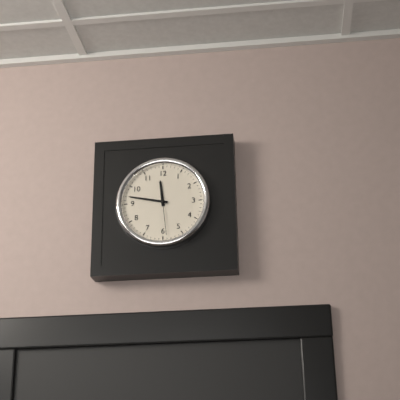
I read {"hour": 11, "minute": 47}
